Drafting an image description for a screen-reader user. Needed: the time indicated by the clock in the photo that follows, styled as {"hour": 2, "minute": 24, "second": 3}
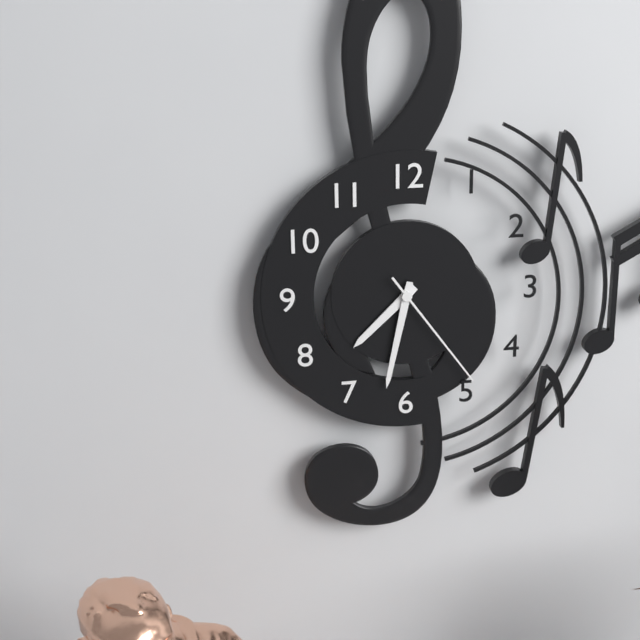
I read {"hour": 7, "minute": 32, "second": 24}
